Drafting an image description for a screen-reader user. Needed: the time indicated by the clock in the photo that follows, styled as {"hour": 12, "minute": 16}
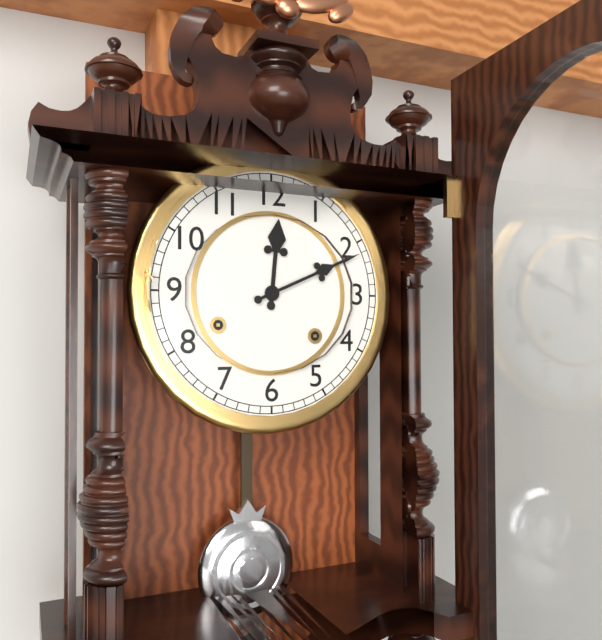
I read {"hour": 12, "minute": 11}
